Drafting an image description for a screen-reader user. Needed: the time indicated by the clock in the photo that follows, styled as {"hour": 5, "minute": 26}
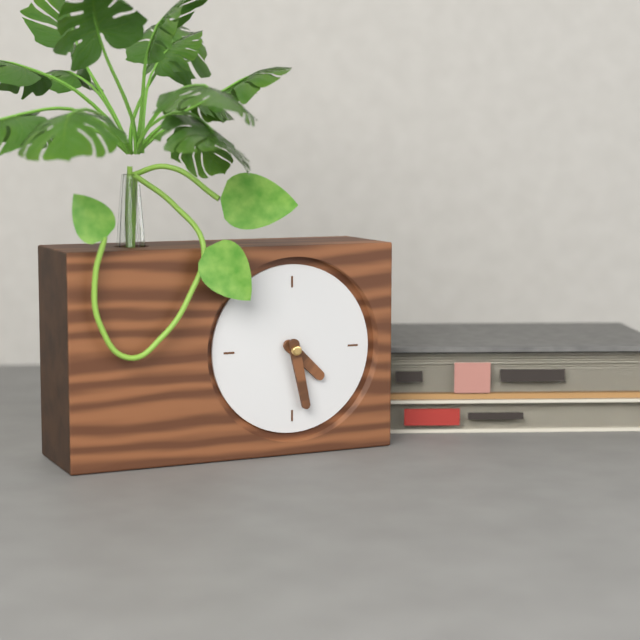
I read {"hour": 4, "minute": 28}
